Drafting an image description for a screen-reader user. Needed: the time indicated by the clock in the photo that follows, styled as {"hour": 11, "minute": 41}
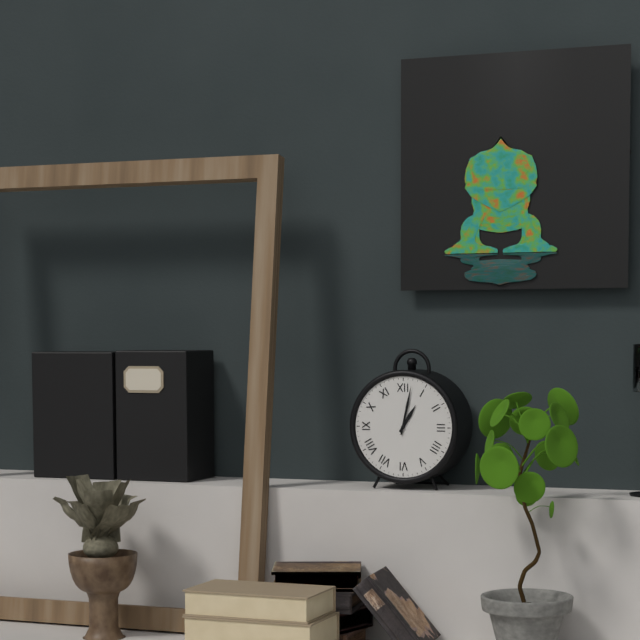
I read {"hour": 1, "minute": 2}
